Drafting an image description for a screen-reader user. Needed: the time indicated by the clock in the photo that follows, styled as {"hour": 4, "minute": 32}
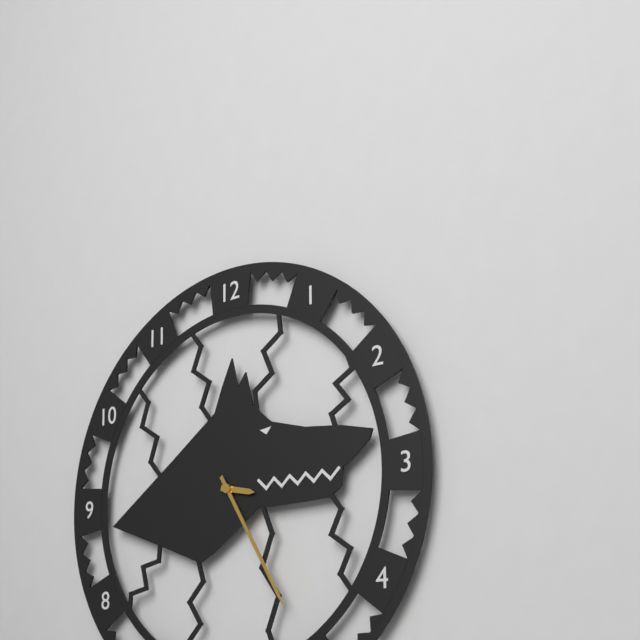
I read {"hour": 3, "minute": 25}
